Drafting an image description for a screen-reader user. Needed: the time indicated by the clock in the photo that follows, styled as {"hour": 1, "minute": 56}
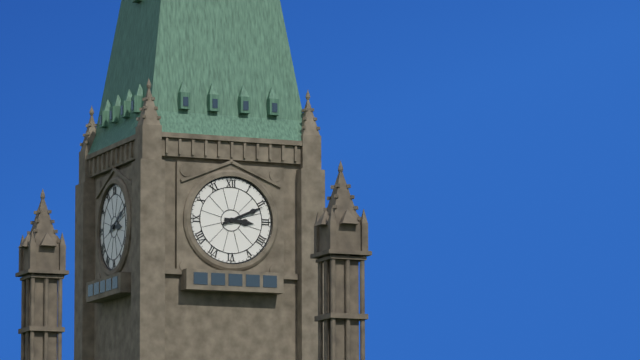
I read {"hour": 3, "minute": 11}
